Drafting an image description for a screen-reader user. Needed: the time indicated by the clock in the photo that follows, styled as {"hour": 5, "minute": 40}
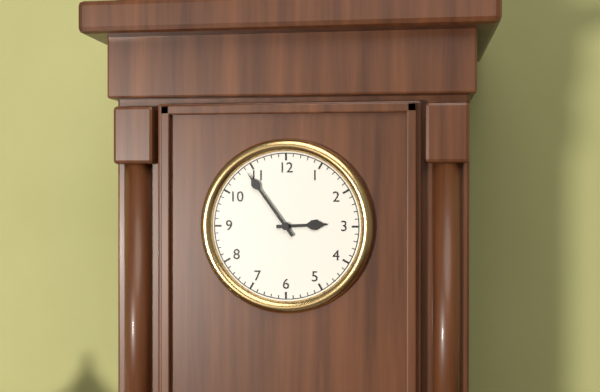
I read {"hour": 2, "minute": 54}
